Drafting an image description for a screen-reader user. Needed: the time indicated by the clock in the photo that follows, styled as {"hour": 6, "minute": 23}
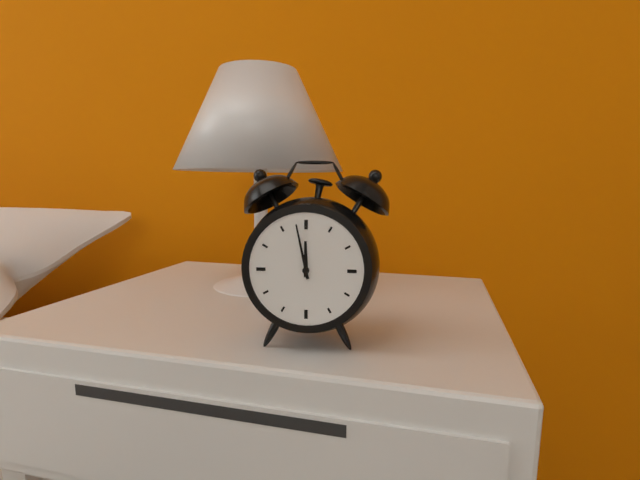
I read {"hour": 11, "minute": 58}
